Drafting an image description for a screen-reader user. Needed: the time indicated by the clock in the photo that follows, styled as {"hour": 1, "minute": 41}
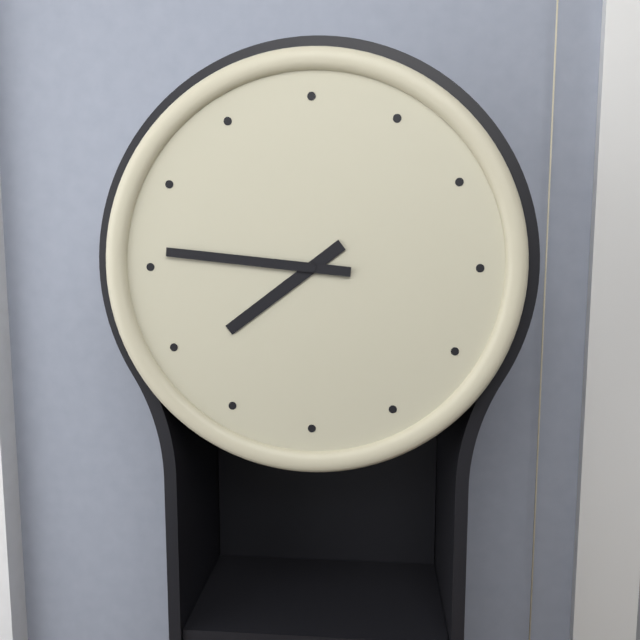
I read {"hour": 7, "minute": 46}
